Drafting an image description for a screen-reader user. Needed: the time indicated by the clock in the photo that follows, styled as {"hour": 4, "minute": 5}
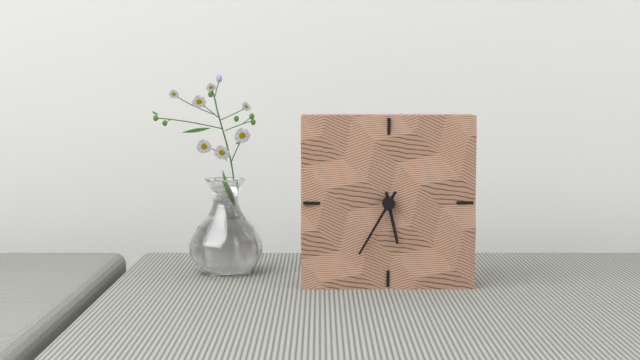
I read {"hour": 5, "minute": 35}
